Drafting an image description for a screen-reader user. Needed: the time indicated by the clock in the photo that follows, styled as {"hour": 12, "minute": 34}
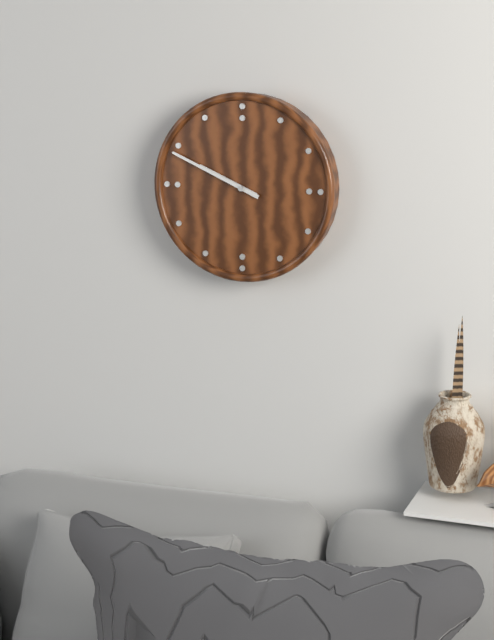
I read {"hour": 9, "minute": 49}
